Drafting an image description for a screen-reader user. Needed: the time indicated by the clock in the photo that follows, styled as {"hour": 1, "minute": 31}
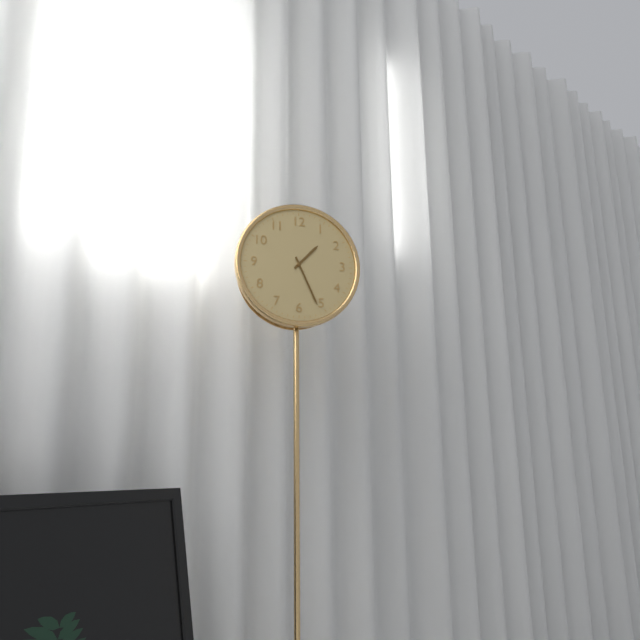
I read {"hour": 1, "minute": 26}
